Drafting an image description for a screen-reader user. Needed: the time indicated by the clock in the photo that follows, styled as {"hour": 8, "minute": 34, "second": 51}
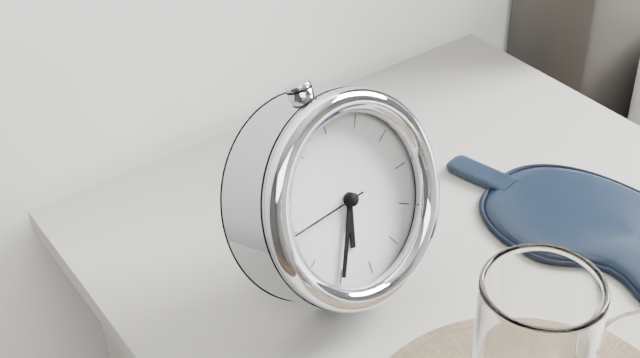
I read {"hour": 6, "minute": 35, "second": 45}
